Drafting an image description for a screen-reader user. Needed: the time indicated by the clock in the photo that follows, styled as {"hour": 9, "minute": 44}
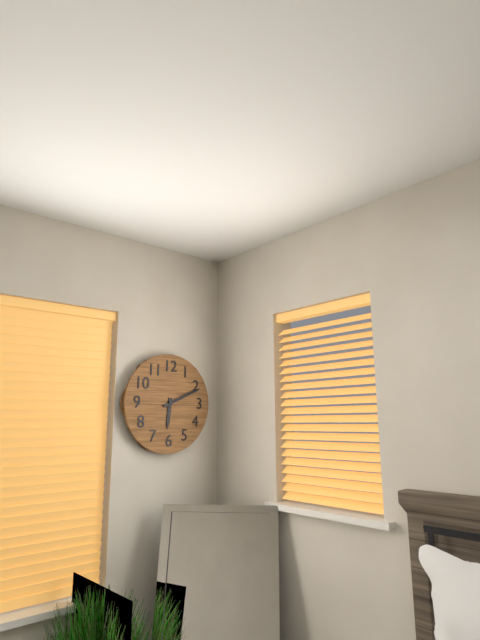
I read {"hour": 6, "minute": 11}
